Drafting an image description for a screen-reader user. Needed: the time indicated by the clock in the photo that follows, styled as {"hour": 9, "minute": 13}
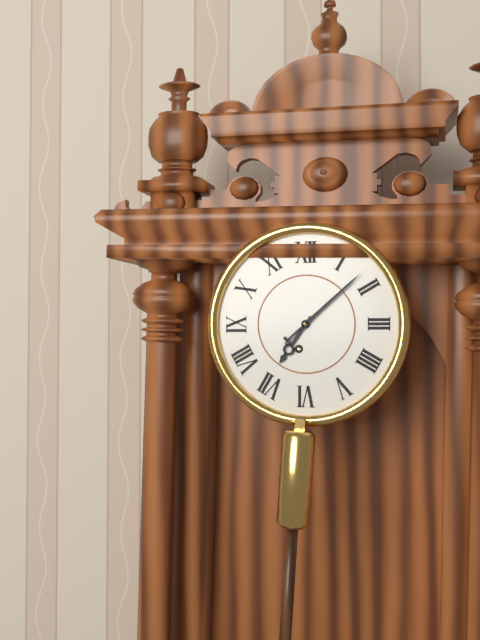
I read {"hour": 7, "minute": 8}
